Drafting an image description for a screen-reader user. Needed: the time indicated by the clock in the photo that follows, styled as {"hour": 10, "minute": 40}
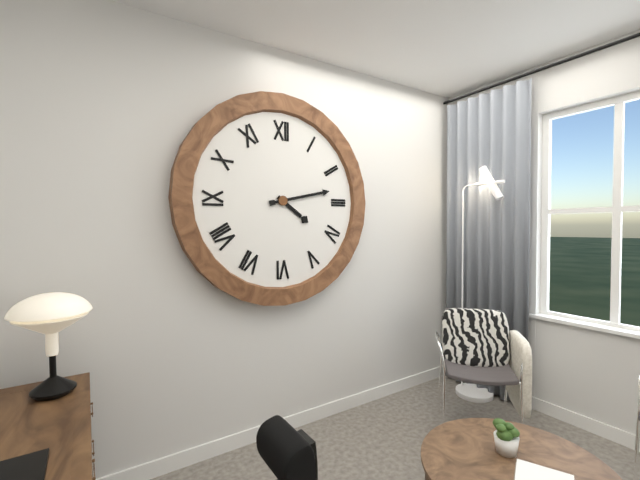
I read {"hour": 4, "minute": 13}
